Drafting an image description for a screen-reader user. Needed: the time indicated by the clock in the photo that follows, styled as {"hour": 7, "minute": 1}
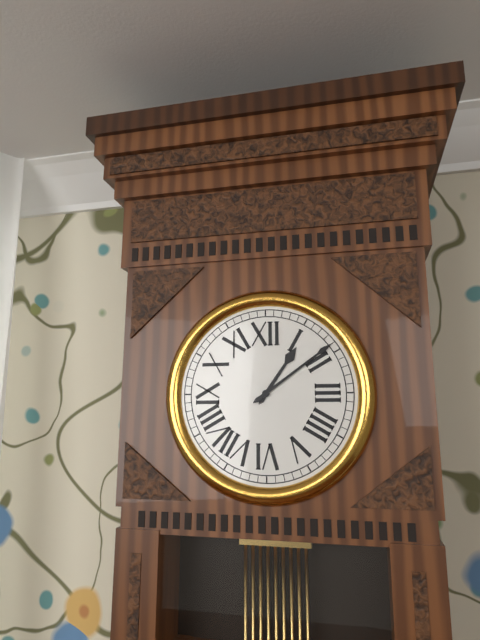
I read {"hour": 1, "minute": 9}
